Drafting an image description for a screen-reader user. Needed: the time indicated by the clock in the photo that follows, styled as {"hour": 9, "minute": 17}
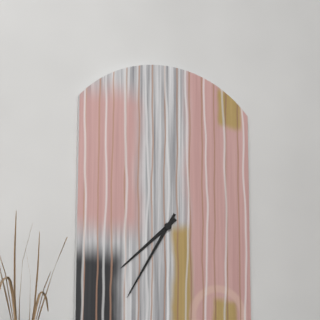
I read {"hour": 7, "minute": 35}
